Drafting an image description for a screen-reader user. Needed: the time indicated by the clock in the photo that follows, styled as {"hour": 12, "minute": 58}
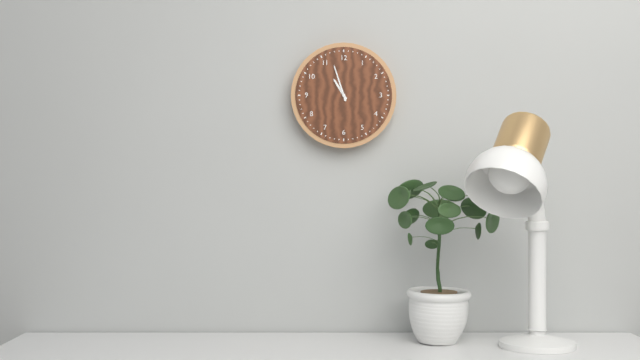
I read {"hour": 10, "minute": 57}
